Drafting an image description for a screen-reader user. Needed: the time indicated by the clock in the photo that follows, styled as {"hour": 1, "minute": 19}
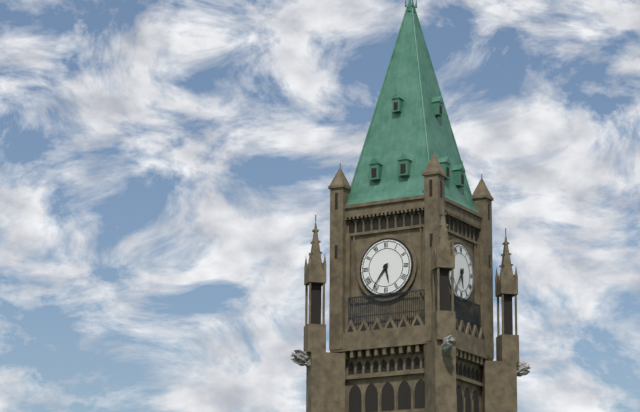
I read {"hour": 5, "minute": 36}
